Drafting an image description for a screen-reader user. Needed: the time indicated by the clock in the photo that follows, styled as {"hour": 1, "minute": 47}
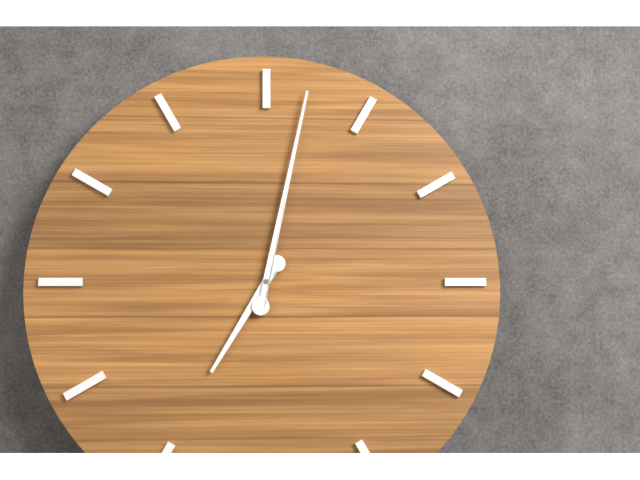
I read {"hour": 7, "minute": 2}
